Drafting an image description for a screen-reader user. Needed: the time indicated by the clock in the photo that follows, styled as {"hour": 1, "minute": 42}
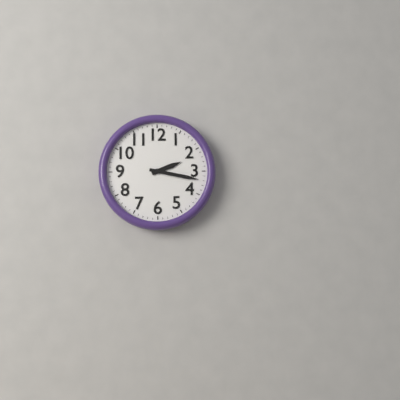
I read {"hour": 2, "minute": 17}
